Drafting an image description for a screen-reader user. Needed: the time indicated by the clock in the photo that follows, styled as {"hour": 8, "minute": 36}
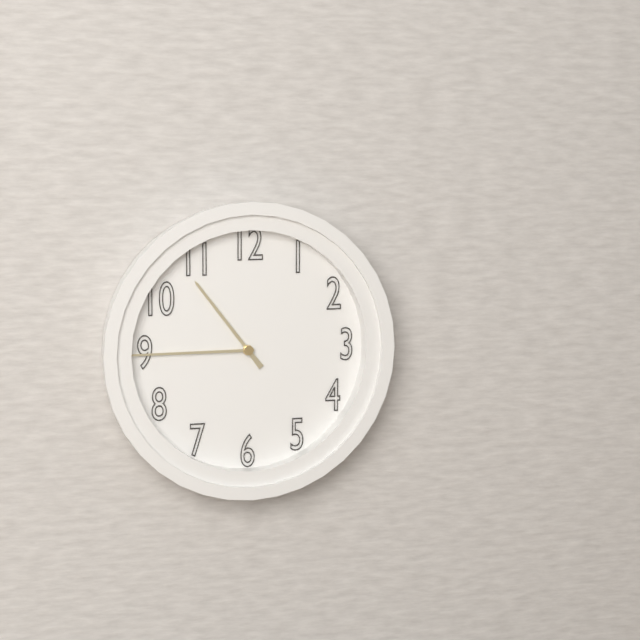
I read {"hour": 10, "minute": 45}
